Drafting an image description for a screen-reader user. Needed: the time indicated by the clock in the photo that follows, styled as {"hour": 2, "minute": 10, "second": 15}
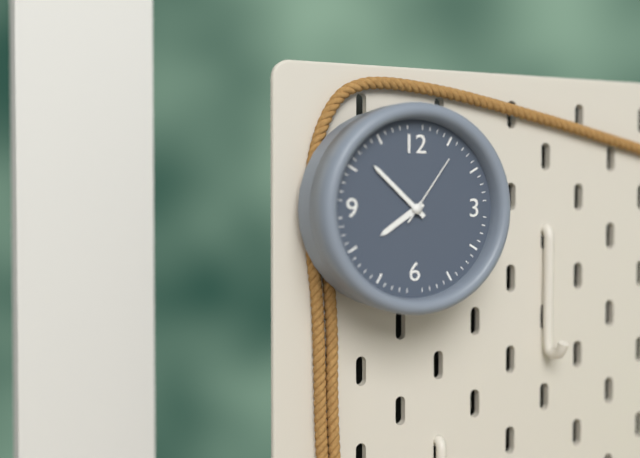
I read {"hour": 7, "minute": 52, "second": 6}
